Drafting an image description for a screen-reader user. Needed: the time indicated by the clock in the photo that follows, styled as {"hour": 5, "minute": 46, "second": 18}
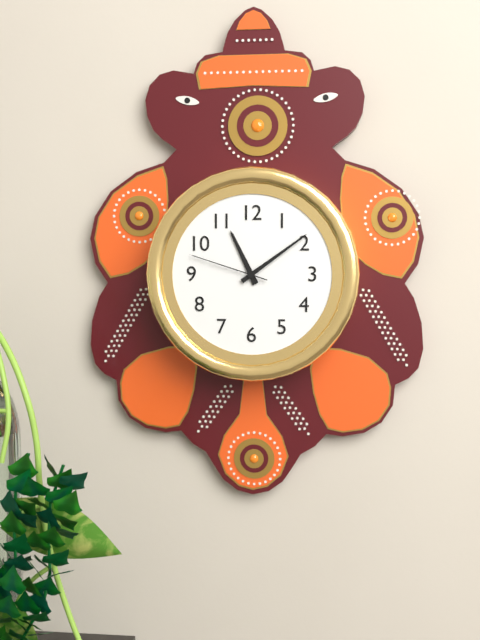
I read {"hour": 11, "minute": 9, "second": 48}
